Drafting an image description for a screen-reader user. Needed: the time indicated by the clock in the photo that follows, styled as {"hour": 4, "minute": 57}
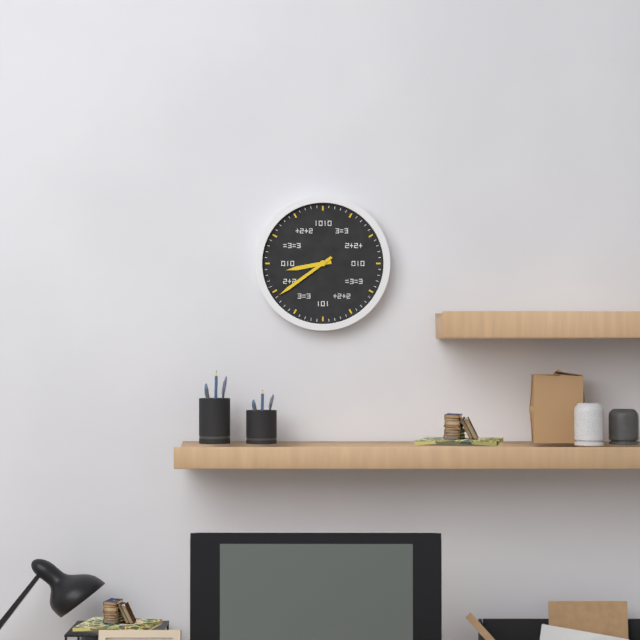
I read {"hour": 8, "minute": 39}
